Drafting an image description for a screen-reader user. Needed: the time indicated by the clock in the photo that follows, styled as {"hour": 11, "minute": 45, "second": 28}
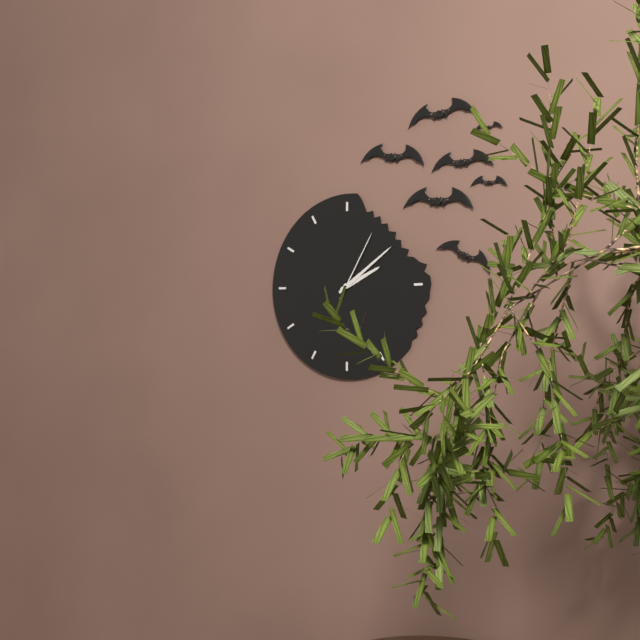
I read {"hour": 2, "minute": 9, "second": 5}
